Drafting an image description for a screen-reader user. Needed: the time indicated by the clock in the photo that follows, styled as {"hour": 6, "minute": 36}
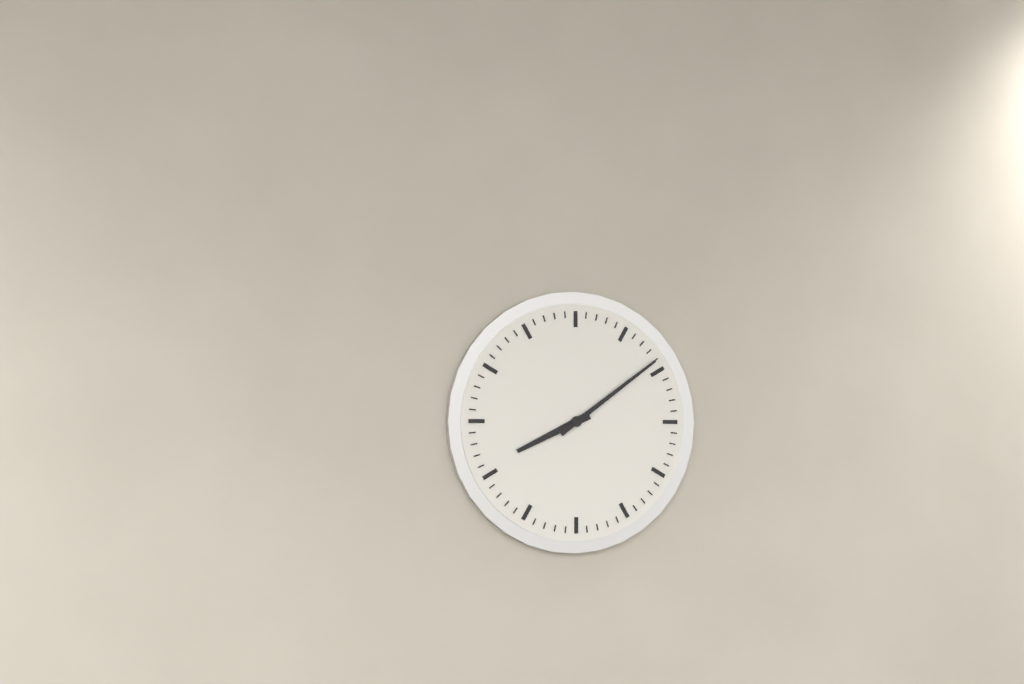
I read {"hour": 8, "minute": 9}
